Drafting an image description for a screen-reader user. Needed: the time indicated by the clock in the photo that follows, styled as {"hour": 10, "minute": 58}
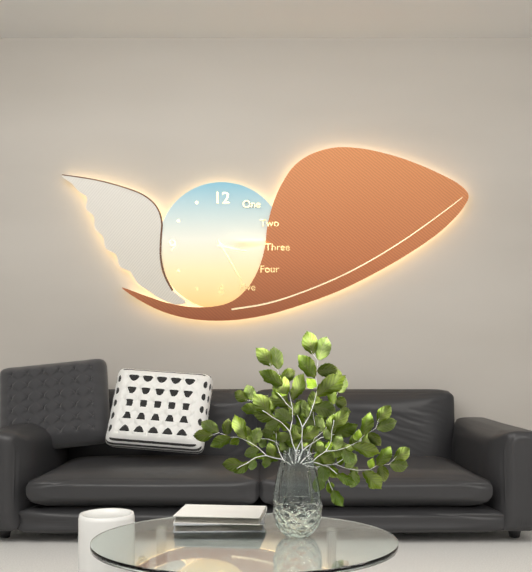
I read {"hour": 3, "minute": 25}
